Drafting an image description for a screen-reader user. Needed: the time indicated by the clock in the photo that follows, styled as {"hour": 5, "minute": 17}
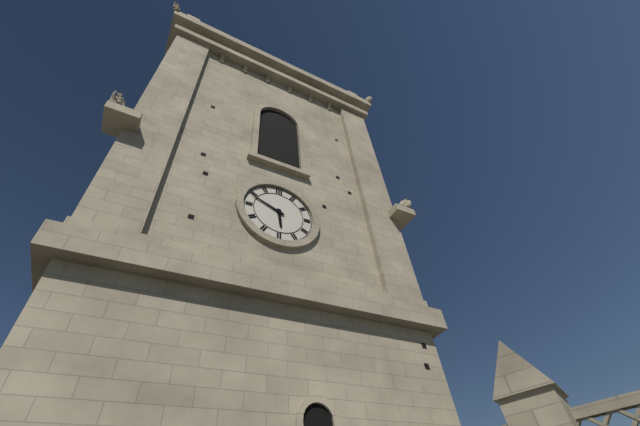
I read {"hour": 5, "minute": 49}
